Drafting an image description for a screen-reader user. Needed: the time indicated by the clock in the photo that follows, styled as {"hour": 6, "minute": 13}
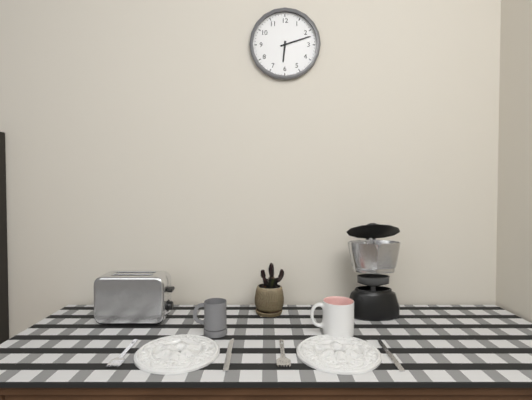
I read {"hour": 6, "minute": 12}
